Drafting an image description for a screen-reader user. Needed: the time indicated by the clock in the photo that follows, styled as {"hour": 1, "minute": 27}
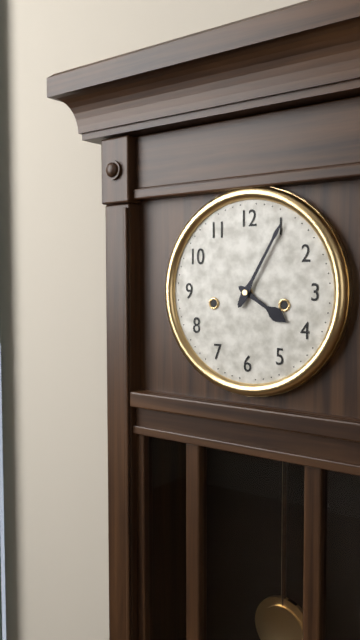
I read {"hour": 4, "minute": 5}
